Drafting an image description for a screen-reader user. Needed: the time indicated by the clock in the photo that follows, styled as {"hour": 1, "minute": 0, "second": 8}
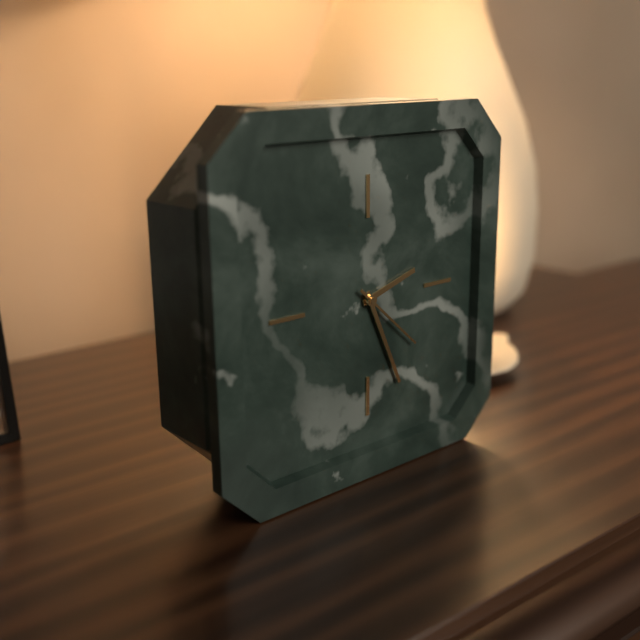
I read {"hour": 2, "minute": 26, "second": 22}
